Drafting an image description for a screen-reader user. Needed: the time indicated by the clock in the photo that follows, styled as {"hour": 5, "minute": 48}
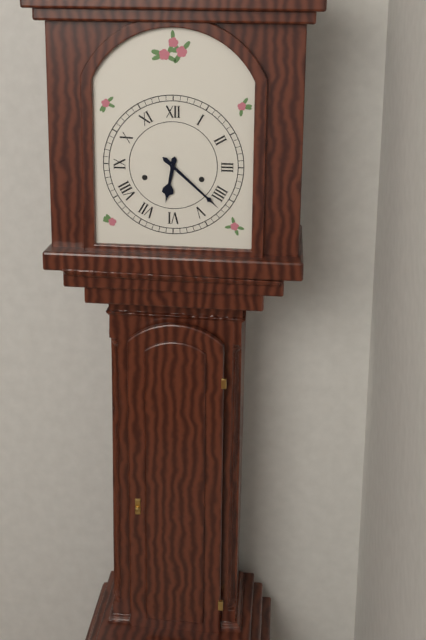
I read {"hour": 6, "minute": 22}
